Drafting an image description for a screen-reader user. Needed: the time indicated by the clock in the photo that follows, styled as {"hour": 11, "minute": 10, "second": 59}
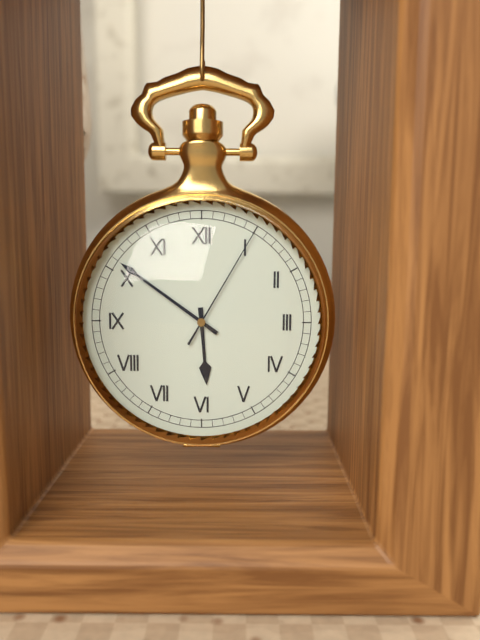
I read {"hour": 5, "minute": 51, "second": 5}
